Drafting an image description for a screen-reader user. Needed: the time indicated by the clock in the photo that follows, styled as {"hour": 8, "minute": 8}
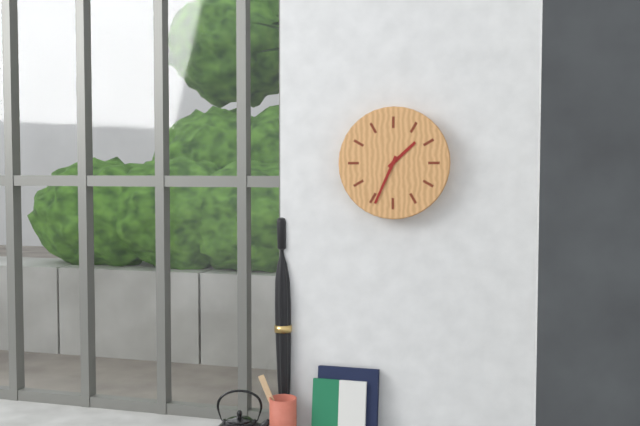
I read {"hour": 1, "minute": 34}
